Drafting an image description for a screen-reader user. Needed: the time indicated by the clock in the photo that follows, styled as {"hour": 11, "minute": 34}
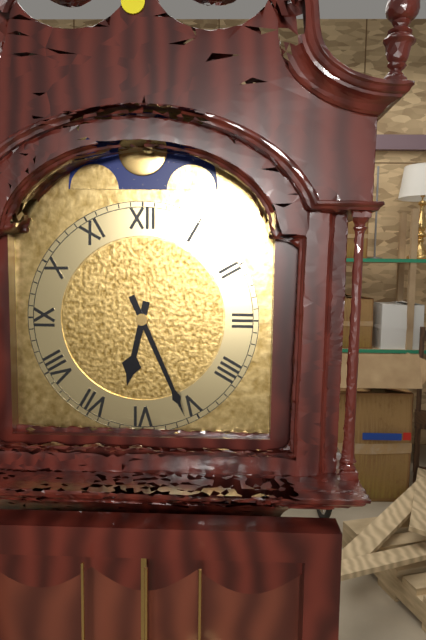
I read {"hour": 6, "minute": 26}
